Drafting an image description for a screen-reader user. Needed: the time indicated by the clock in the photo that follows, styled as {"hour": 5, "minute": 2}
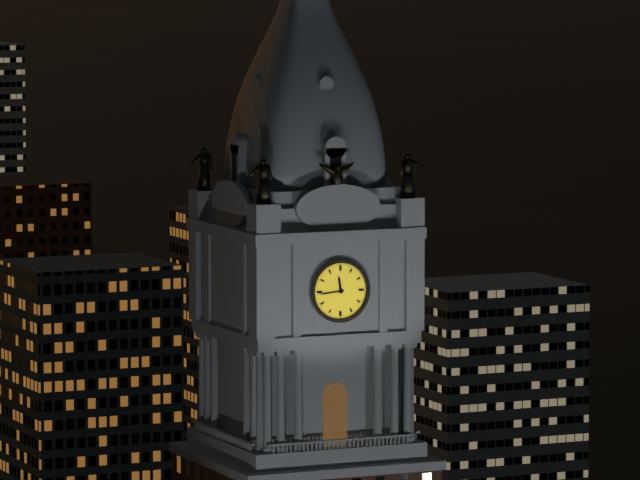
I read {"hour": 11, "minute": 44}
